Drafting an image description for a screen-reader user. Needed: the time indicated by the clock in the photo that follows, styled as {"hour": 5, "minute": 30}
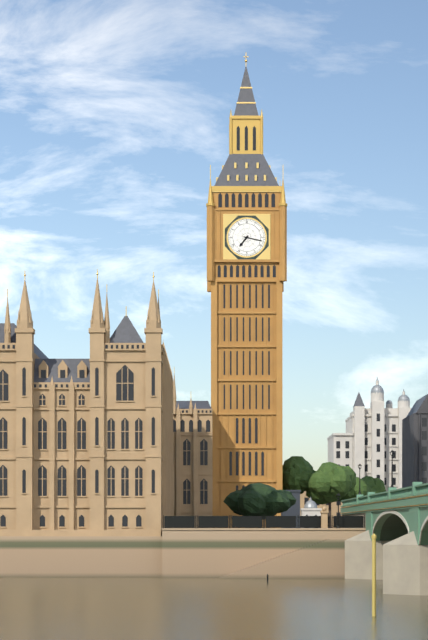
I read {"hour": 7, "minute": 17}
